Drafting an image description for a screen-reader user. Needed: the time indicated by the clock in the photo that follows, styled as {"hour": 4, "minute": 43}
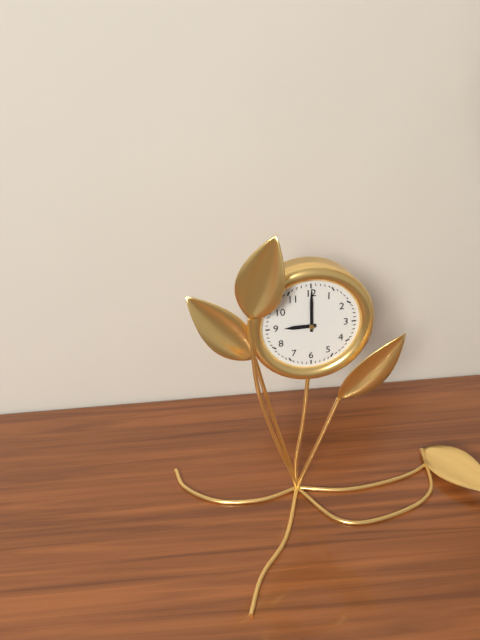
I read {"hour": 9, "minute": 0}
